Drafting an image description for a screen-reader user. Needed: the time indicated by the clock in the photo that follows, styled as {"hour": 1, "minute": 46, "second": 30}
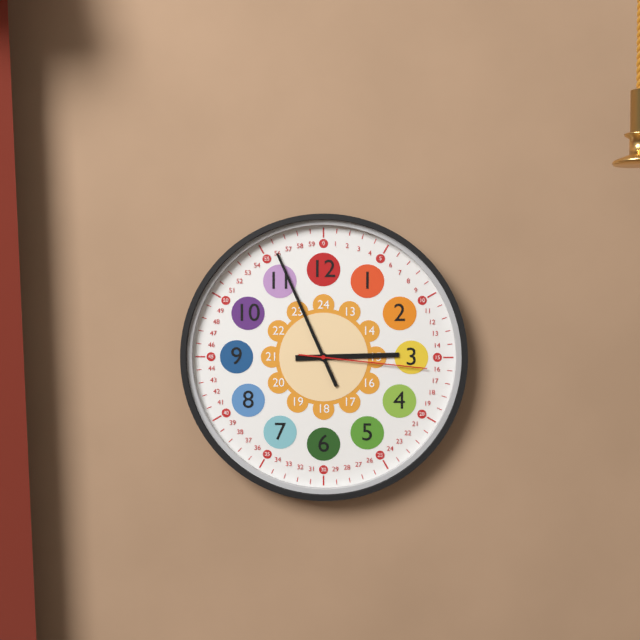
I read {"hour": 2, "minute": 56, "second": 16}
